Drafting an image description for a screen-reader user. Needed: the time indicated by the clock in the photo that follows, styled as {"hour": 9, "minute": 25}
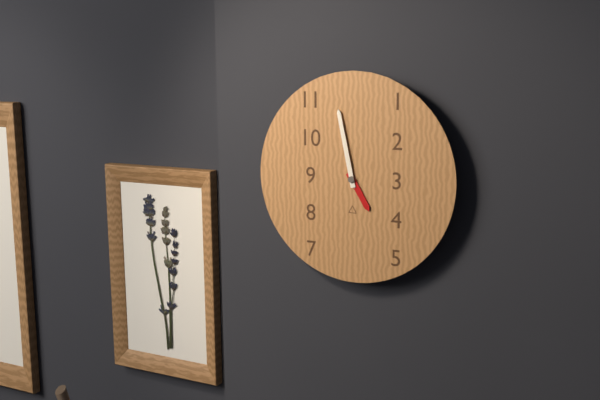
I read {"hour": 4, "minute": 58}
